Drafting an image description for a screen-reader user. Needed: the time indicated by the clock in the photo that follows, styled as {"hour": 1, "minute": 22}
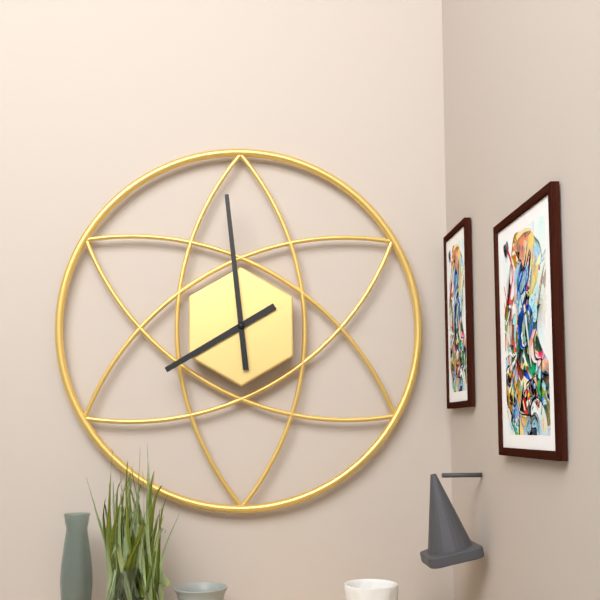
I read {"hour": 7, "minute": 59}
